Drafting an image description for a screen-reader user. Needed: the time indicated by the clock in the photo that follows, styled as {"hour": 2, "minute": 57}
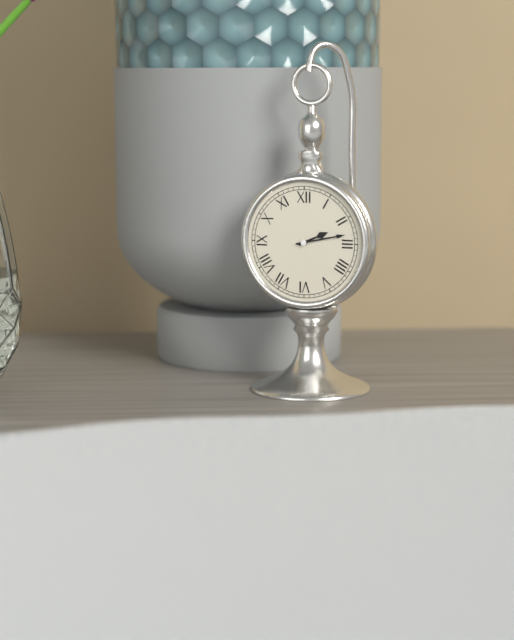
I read {"hour": 2, "minute": 13}
